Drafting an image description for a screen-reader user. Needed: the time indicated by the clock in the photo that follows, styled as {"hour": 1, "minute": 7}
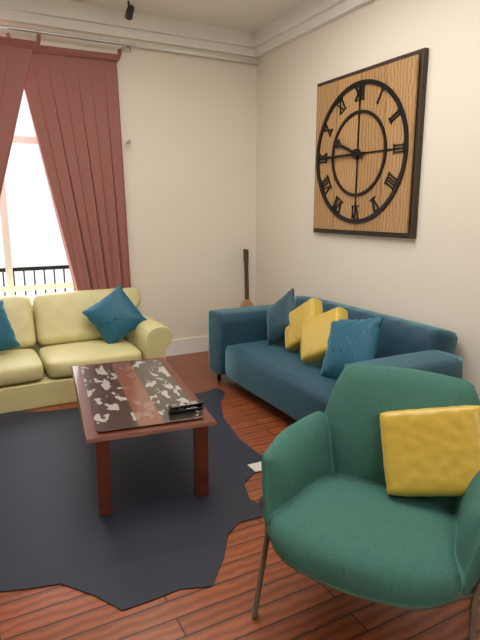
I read {"hour": 9, "minute": 45}
